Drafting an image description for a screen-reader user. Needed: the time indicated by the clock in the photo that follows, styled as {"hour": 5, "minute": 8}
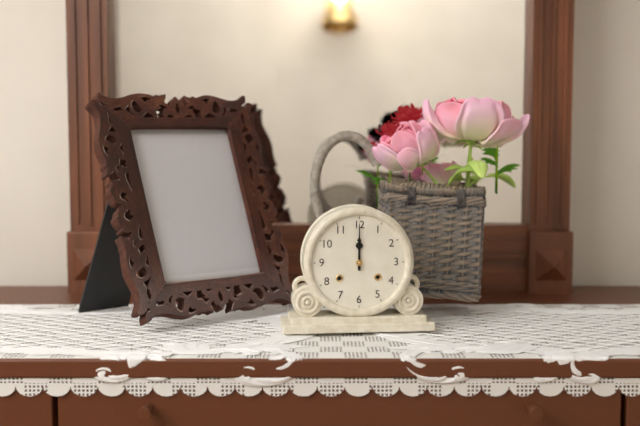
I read {"hour": 12, "minute": 0}
